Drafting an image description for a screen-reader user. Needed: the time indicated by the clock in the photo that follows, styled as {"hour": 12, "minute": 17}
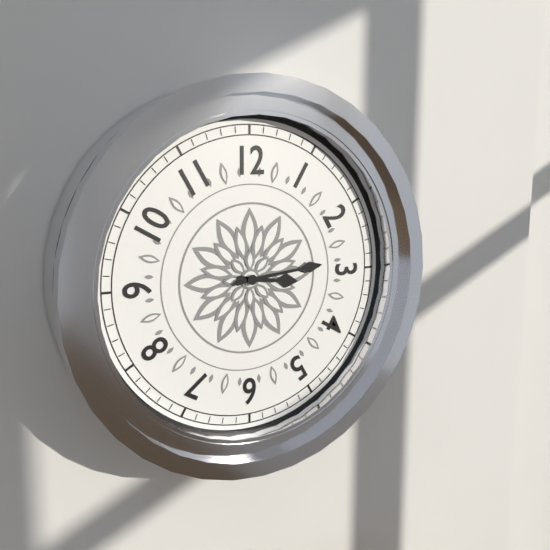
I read {"hour": 3, "minute": 14}
